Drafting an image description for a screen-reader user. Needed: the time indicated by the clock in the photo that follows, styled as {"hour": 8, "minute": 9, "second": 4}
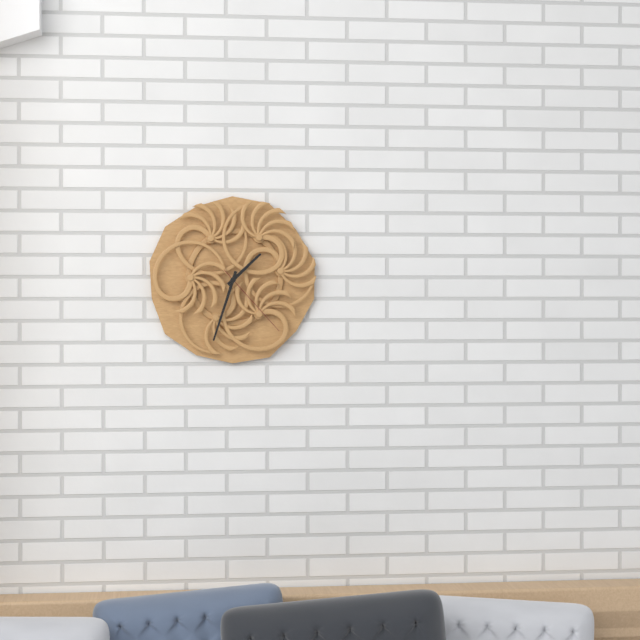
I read {"hour": 1, "minute": 33, "second": 23}
